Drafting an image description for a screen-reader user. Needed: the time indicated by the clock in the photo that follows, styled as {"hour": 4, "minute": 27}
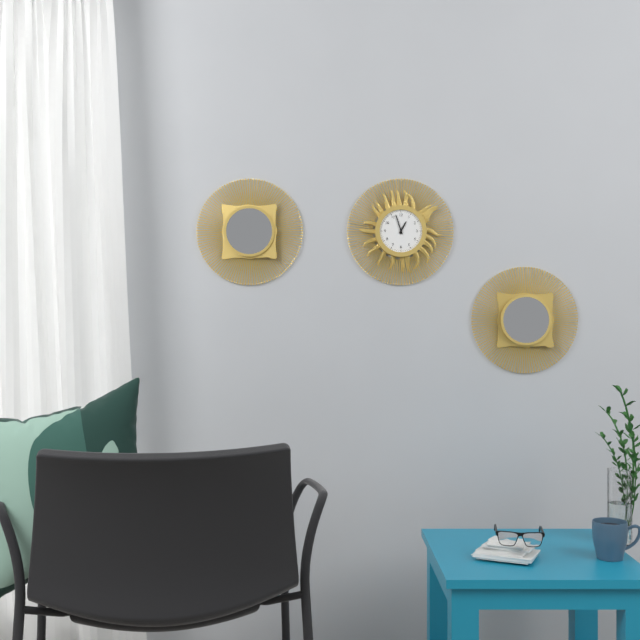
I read {"hour": 12, "minute": 57}
